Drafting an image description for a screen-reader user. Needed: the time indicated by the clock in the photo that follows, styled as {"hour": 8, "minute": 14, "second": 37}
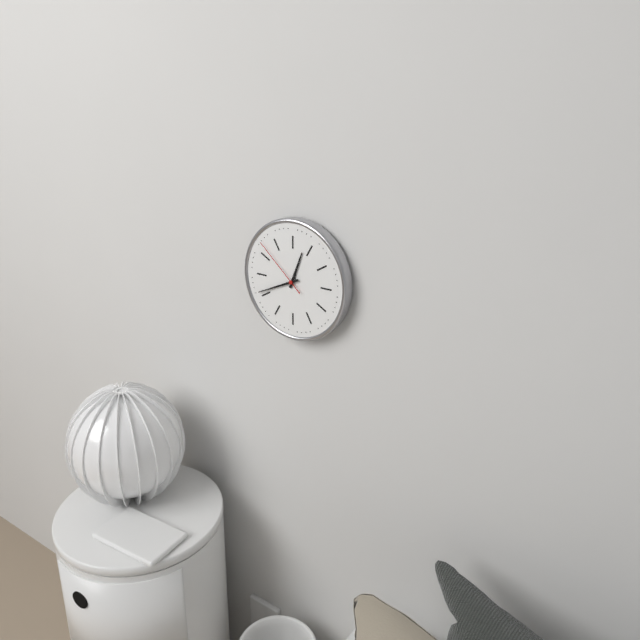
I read {"hour": 12, "minute": 41, "second": 52}
